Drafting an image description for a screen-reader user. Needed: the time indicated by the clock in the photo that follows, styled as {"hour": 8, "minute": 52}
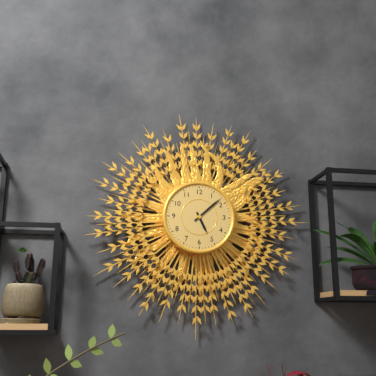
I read {"hour": 5, "minute": 8}
